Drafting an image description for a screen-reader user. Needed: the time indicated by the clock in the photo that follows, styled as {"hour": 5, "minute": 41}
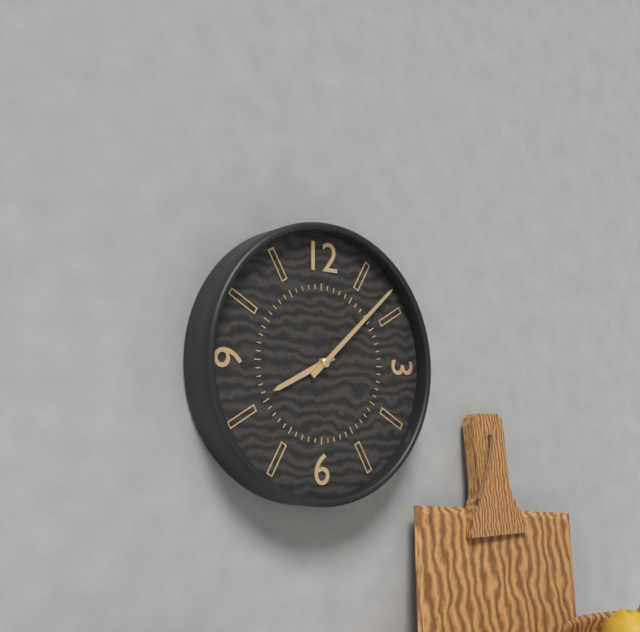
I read {"hour": 8, "minute": 8}
